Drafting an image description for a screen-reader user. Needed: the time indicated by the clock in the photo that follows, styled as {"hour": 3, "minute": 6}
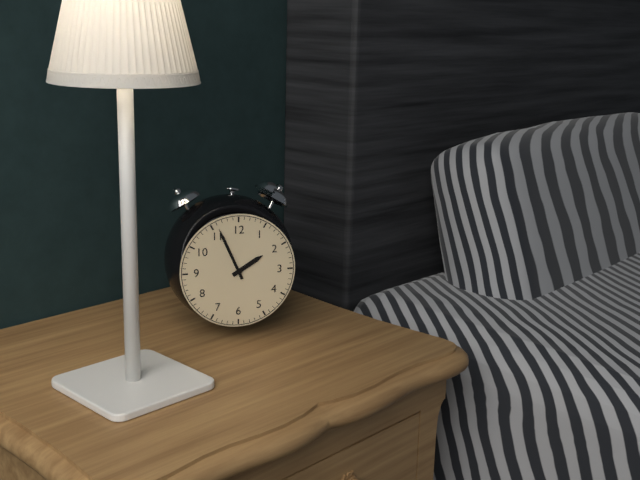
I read {"hour": 1, "minute": 56}
